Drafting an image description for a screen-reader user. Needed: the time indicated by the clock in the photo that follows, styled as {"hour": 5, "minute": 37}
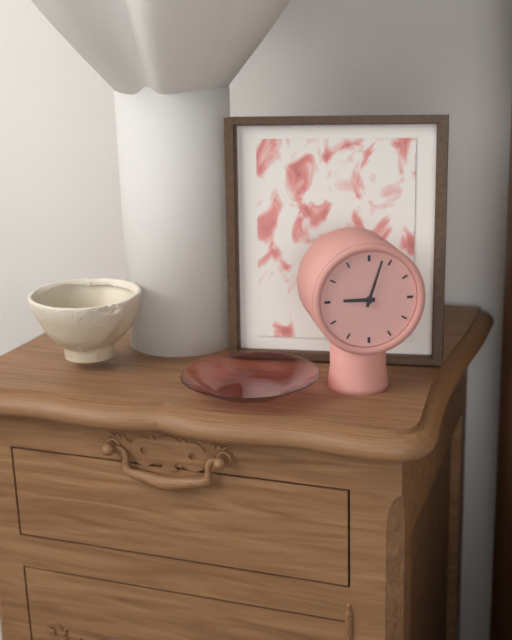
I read {"hour": 9, "minute": 3}
